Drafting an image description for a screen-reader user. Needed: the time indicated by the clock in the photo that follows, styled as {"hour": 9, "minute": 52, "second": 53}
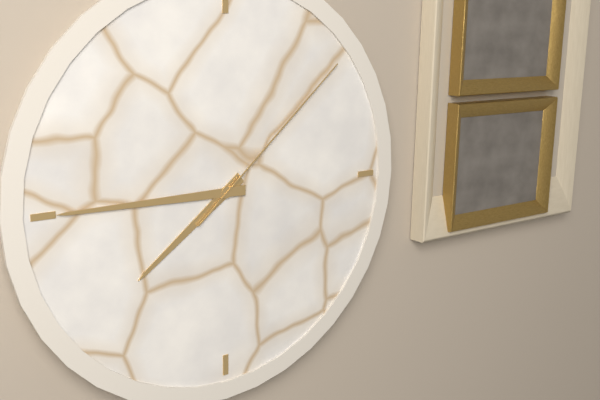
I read {"hour": 7, "minute": 45, "second": 8}
